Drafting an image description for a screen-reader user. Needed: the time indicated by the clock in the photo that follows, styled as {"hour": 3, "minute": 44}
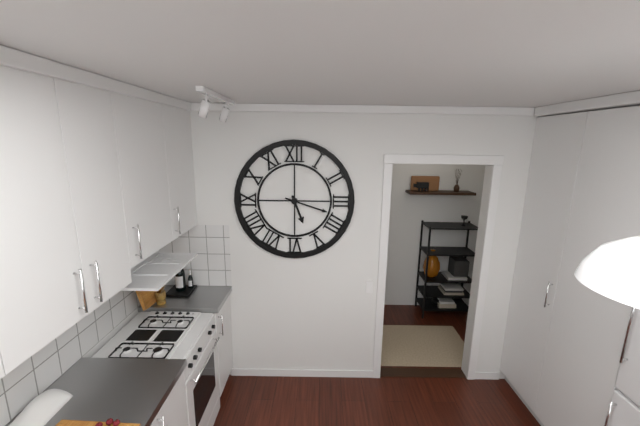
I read {"hour": 5, "minute": 18}
